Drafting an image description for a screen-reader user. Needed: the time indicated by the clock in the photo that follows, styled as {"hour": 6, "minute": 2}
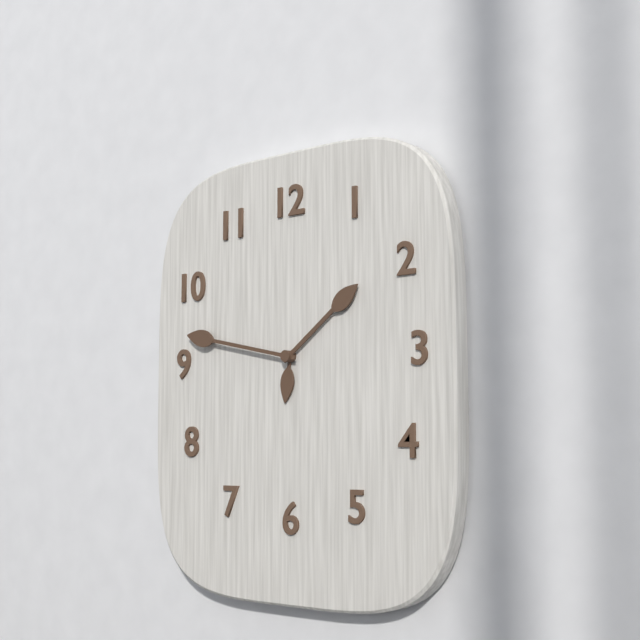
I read {"hour": 1, "minute": 47}
